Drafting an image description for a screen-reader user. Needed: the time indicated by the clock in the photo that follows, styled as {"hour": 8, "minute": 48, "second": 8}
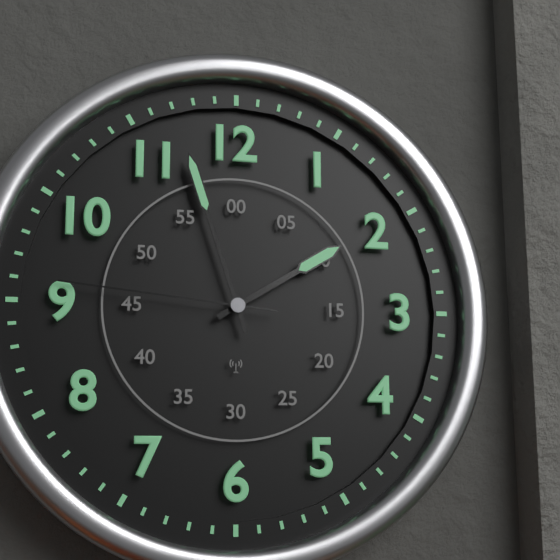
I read {"hour": 1, "minute": 57, "second": 46}
